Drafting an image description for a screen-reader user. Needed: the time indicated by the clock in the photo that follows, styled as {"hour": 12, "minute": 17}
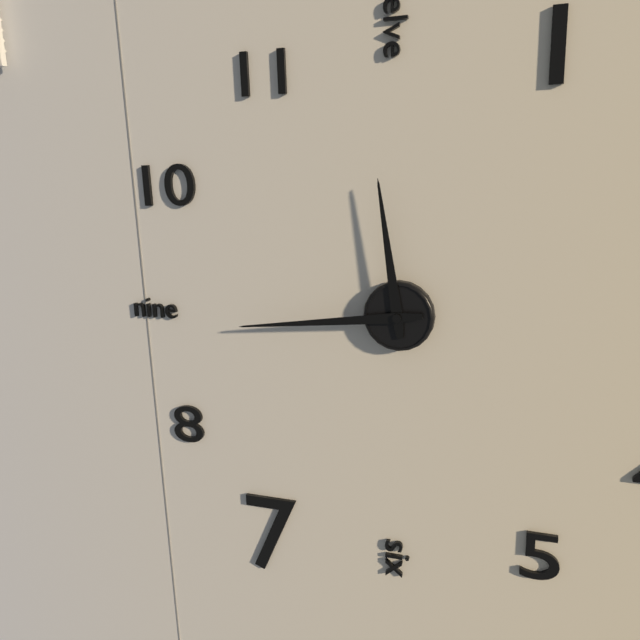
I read {"hour": 11, "minute": 44}
